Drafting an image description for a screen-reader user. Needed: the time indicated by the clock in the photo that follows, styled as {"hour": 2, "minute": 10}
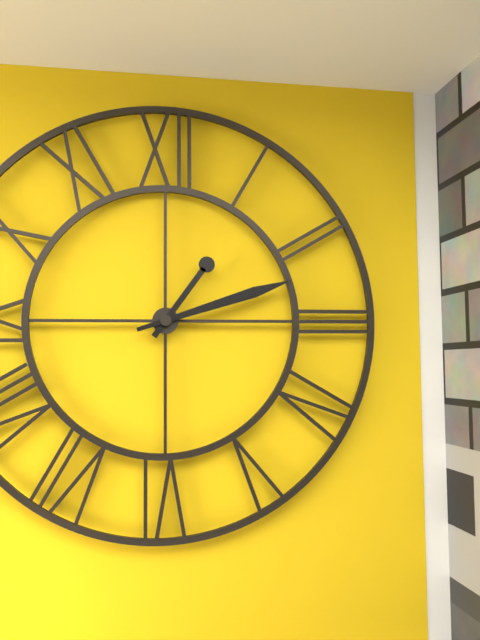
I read {"hour": 1, "minute": 12}
